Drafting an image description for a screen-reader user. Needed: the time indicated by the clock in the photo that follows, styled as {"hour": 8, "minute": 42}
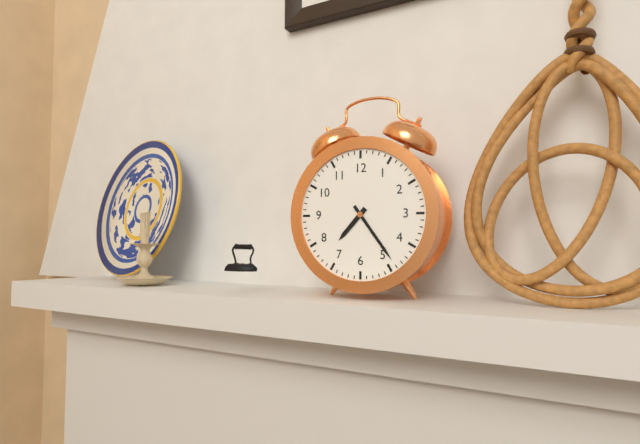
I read {"hour": 7, "minute": 24}
